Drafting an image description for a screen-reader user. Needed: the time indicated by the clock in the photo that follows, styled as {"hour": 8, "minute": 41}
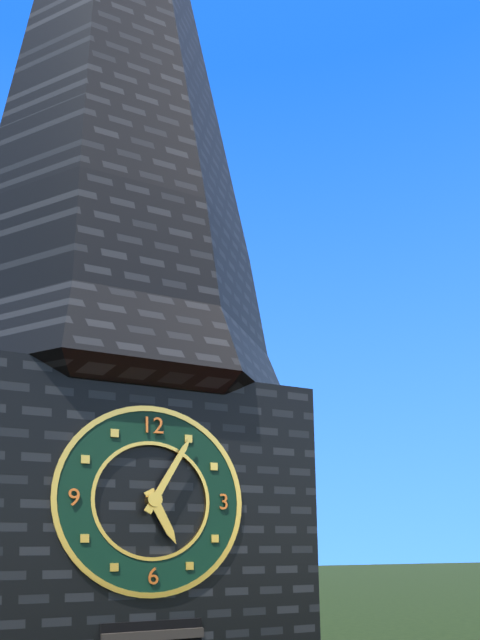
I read {"hour": 5, "minute": 5}
